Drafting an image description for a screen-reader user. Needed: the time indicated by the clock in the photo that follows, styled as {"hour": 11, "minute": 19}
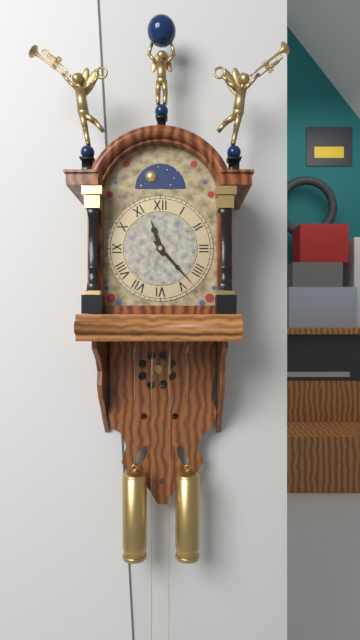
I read {"hour": 11, "minute": 23}
